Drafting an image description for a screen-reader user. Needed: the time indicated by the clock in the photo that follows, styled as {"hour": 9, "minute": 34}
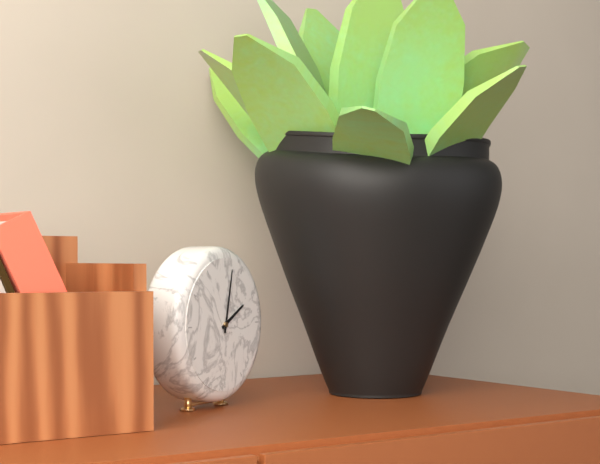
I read {"hour": 2, "minute": 2}
